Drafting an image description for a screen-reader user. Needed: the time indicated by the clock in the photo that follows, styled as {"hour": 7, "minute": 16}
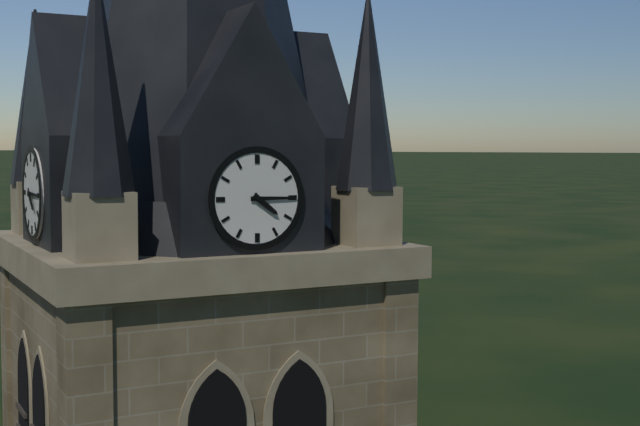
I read {"hour": 4, "minute": 15}
